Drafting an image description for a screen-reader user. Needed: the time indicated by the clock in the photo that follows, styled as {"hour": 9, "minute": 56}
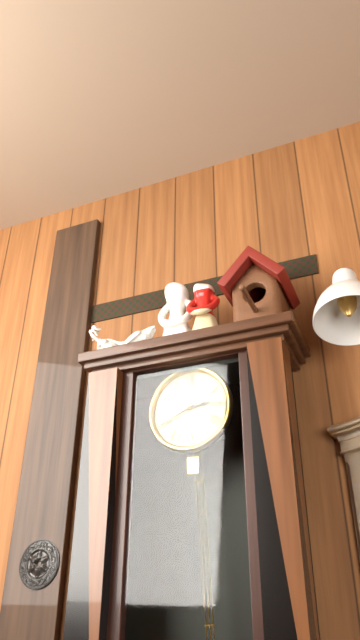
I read {"hour": 2, "minute": 41}
